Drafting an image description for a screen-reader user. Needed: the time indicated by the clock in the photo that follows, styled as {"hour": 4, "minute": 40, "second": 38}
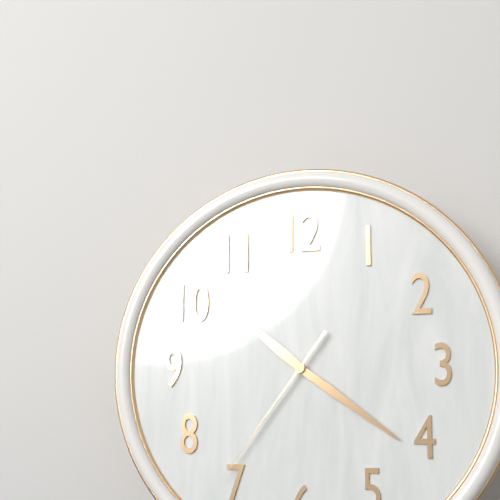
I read {"hour": 10, "minute": 21, "second": 36}
